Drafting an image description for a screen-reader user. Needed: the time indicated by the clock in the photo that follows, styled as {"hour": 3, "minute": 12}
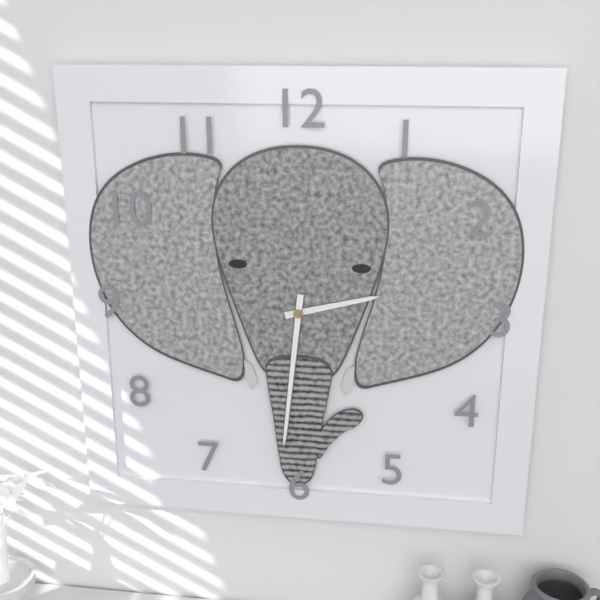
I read {"hour": 2, "minute": 31}
